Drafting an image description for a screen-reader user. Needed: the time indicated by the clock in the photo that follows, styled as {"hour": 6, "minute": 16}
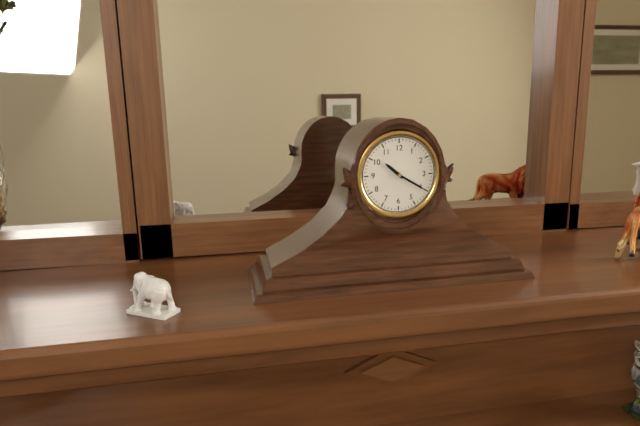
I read {"hour": 10, "minute": 20}
